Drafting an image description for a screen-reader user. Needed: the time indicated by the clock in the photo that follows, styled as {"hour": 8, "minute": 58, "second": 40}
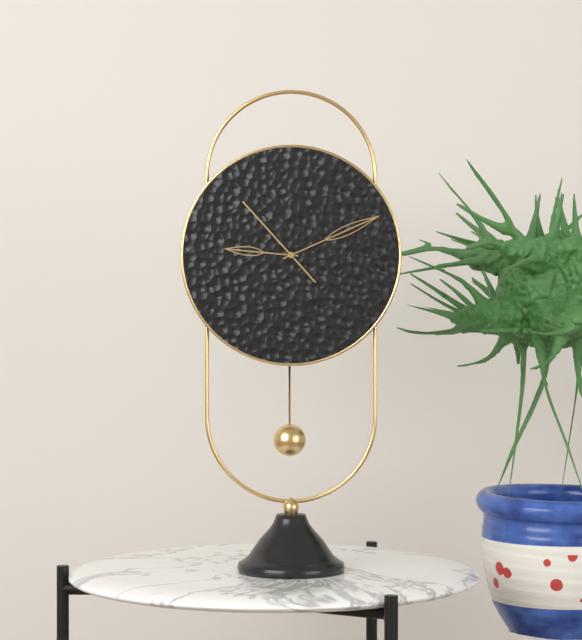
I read {"hour": 9, "minute": 11, "second": 53}
